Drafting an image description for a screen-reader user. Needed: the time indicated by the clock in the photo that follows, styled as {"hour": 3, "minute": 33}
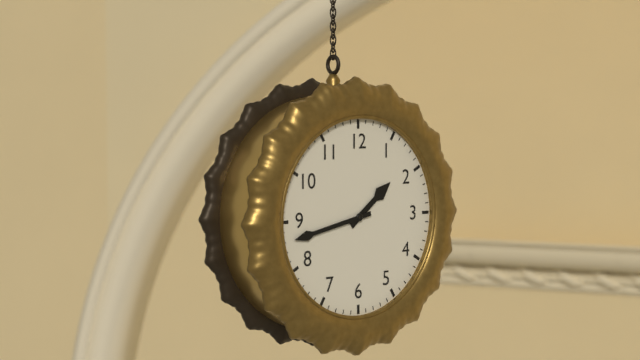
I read {"hour": 1, "minute": 43}
